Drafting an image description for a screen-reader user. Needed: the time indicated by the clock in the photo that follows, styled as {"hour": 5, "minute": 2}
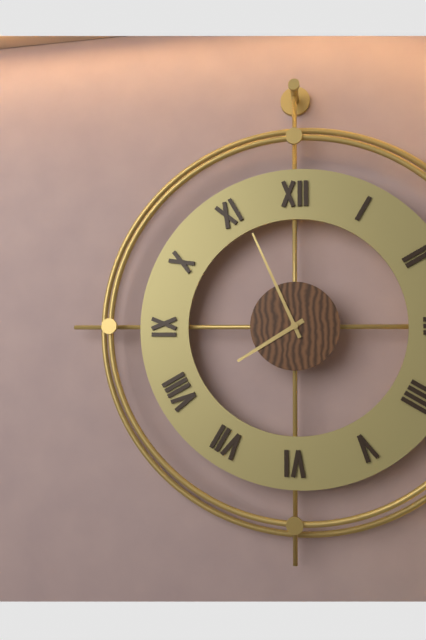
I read {"hour": 7, "minute": 56}
